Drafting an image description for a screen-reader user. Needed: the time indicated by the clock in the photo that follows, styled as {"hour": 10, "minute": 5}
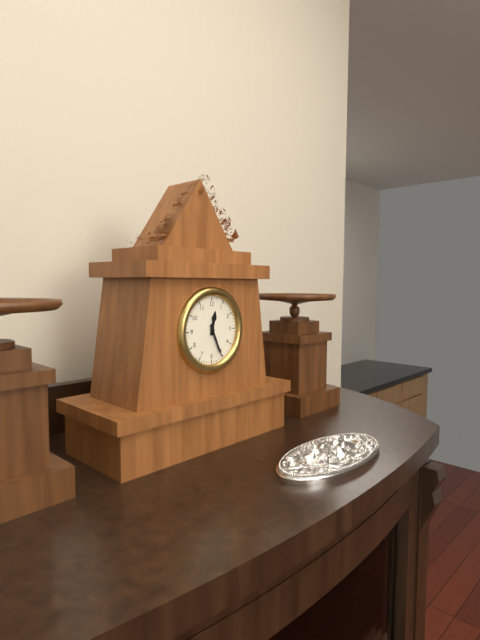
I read {"hour": 12, "minute": 26}
